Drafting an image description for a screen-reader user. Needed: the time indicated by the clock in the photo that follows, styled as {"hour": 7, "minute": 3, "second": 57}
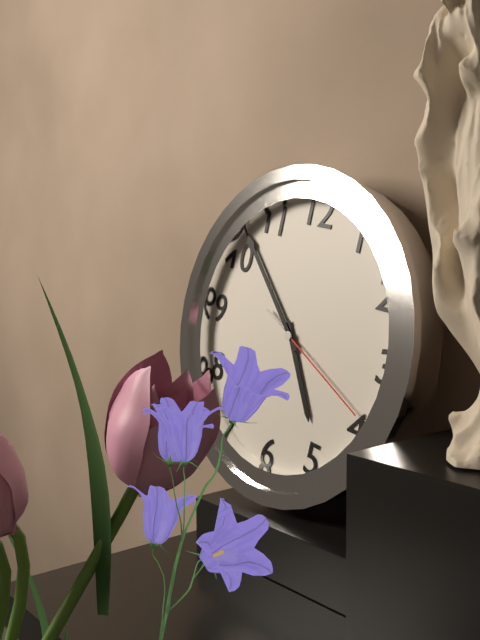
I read {"hour": 4, "minute": 52, "second": 19}
